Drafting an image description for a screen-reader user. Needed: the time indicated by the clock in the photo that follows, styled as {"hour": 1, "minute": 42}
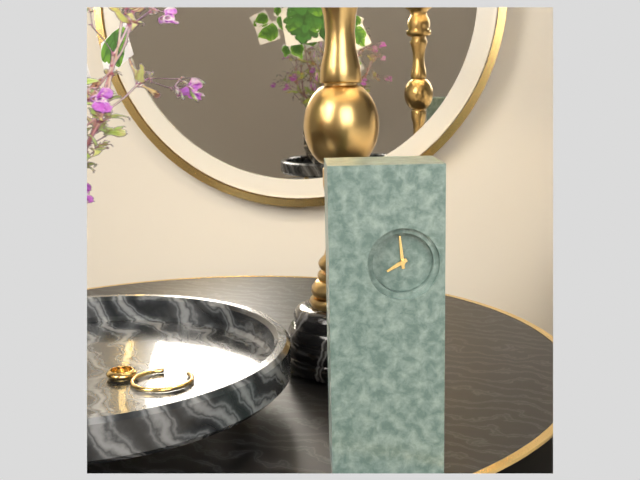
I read {"hour": 7, "minute": 59}
